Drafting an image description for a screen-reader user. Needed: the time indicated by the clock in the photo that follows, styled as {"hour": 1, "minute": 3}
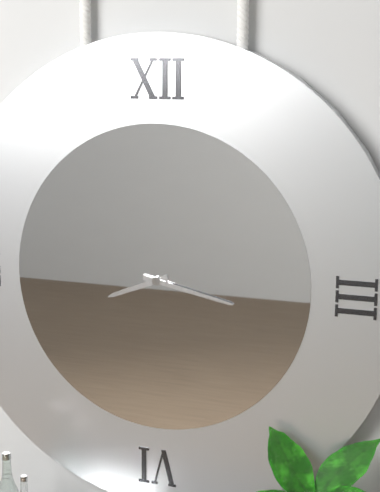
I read {"hour": 8, "minute": 17}
